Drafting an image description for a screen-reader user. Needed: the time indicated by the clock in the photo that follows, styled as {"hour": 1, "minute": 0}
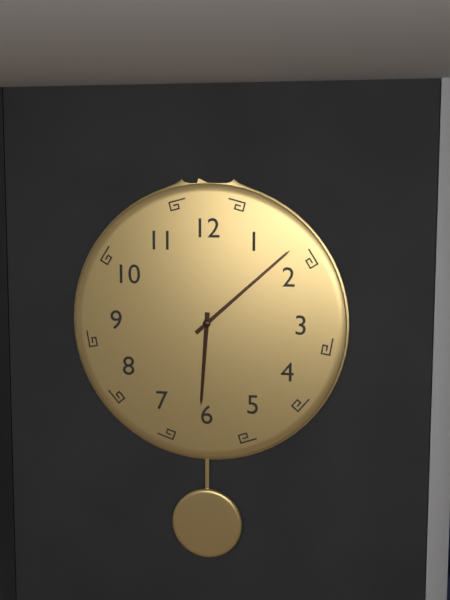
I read {"hour": 6, "minute": 8}
